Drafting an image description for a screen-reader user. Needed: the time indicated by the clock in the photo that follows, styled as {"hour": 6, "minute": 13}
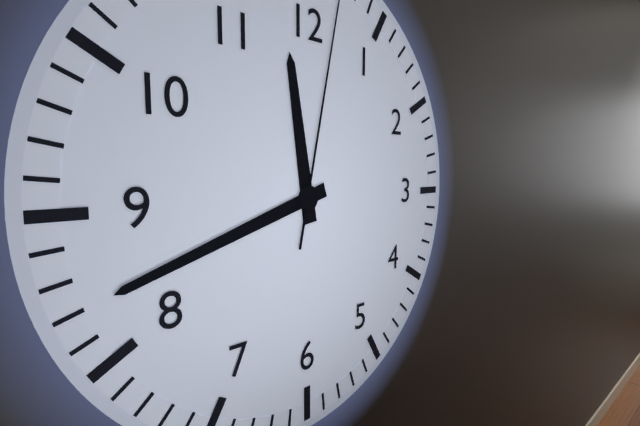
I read {"hour": 11, "minute": 42}
